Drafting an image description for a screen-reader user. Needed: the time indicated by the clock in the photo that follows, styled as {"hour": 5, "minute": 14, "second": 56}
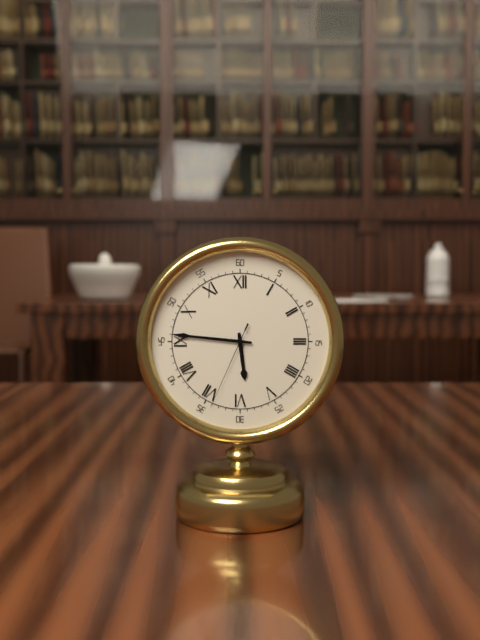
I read {"hour": 5, "minute": 46, "second": 34}
